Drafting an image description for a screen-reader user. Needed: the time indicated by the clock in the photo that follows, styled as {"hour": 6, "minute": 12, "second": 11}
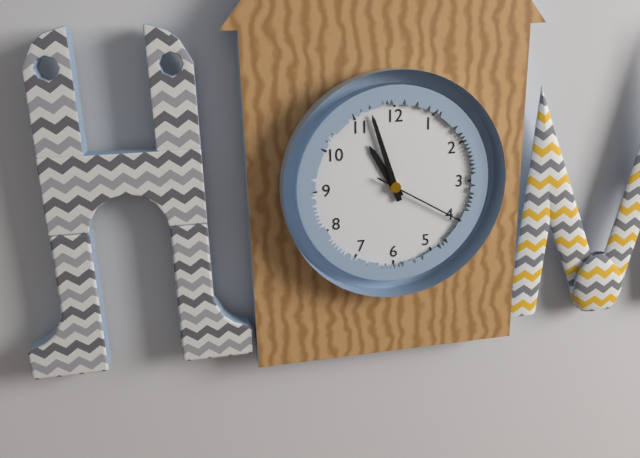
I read {"hour": 10, "minute": 57, "second": 20}
